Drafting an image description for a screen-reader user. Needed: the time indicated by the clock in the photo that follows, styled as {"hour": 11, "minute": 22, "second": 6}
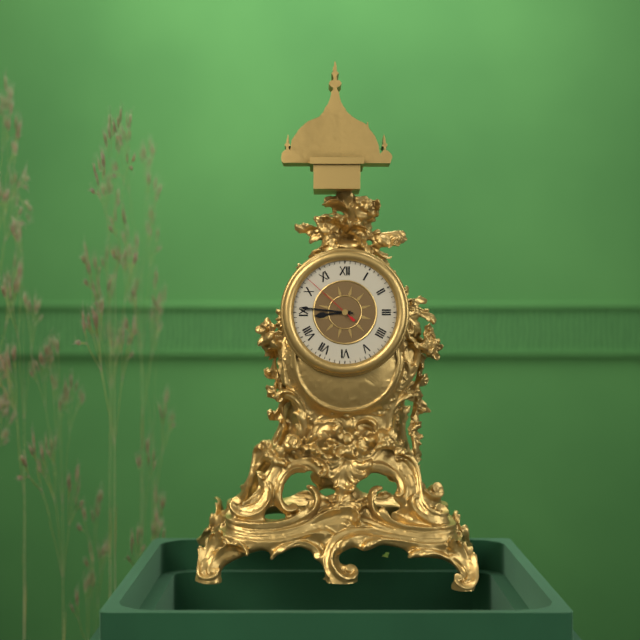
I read {"hour": 8, "minute": 46, "second": 52}
